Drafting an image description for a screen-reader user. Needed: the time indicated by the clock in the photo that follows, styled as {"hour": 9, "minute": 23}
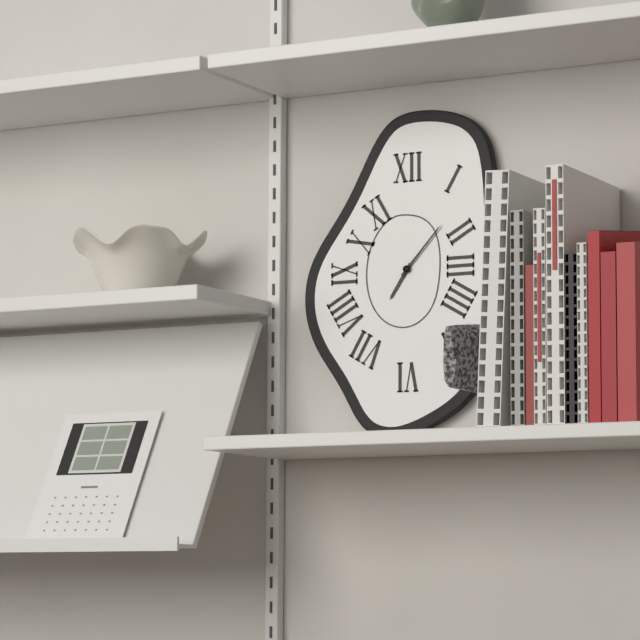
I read {"hour": 7, "minute": 7}
